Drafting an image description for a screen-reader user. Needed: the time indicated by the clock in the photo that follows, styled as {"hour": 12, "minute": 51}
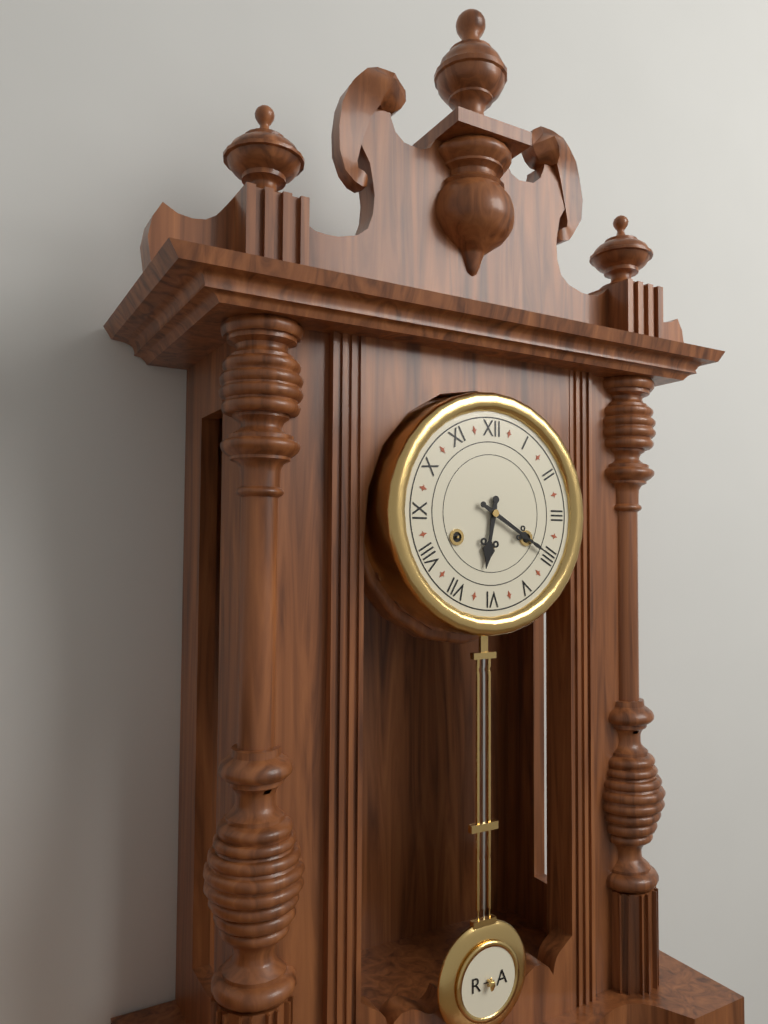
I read {"hour": 6, "minute": 20}
